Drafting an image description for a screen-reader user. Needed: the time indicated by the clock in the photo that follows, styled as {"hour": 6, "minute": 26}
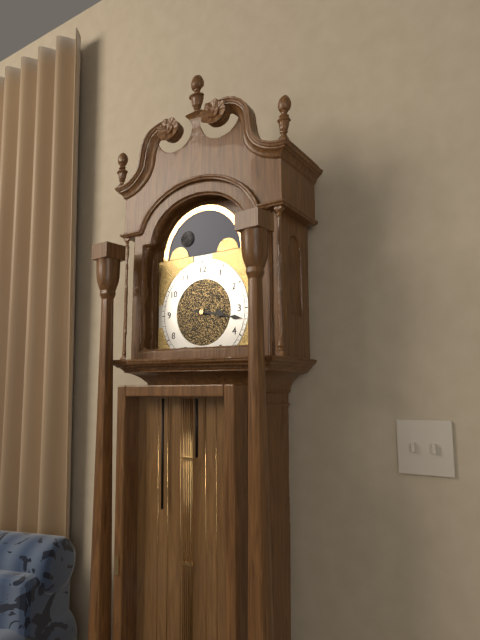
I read {"hour": 3, "minute": 17}
